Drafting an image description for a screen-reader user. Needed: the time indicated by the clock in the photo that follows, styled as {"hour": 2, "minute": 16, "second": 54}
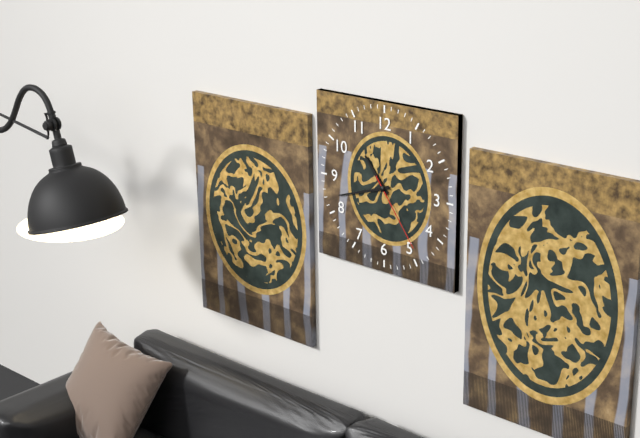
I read {"hour": 10, "minute": 42, "second": 24}
